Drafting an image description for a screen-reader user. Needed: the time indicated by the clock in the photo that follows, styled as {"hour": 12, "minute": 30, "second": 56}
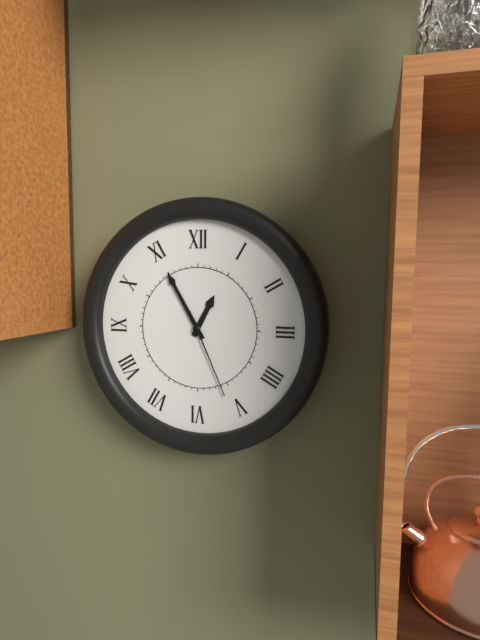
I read {"hour": 12, "minute": 55, "second": 26}
